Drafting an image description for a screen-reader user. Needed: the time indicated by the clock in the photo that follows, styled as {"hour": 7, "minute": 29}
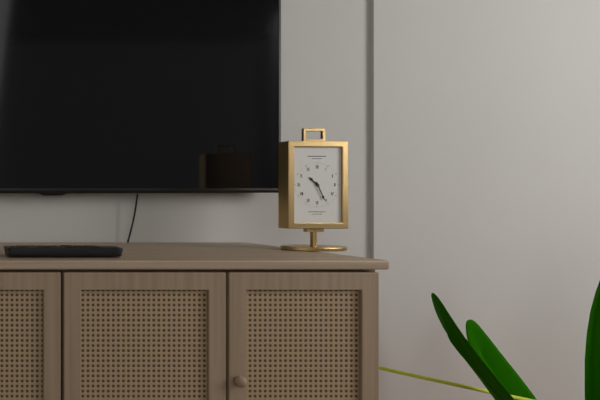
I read {"hour": 10, "minute": 26}
